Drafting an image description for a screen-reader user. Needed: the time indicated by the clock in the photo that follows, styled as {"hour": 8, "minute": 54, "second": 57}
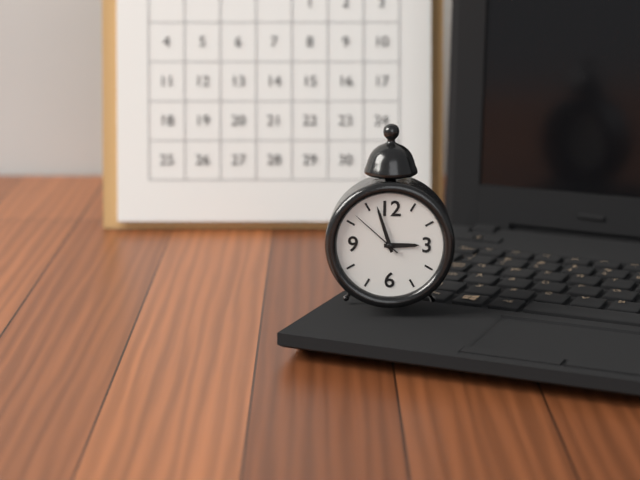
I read {"hour": 2, "minute": 57, "second": 52}
